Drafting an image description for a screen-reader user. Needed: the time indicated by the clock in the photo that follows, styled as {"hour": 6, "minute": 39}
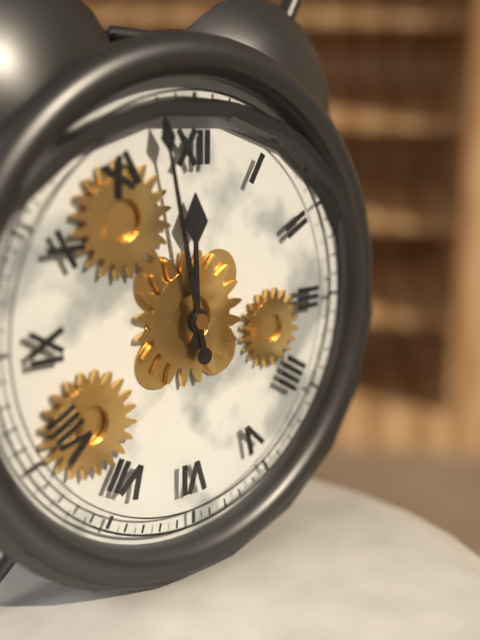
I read {"hour": 11, "minute": 58}
